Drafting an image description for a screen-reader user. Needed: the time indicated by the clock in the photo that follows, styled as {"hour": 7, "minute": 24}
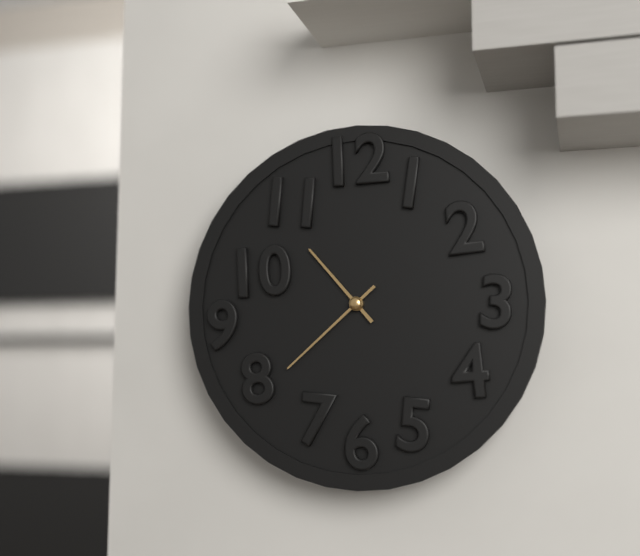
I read {"hour": 10, "minute": 38}
